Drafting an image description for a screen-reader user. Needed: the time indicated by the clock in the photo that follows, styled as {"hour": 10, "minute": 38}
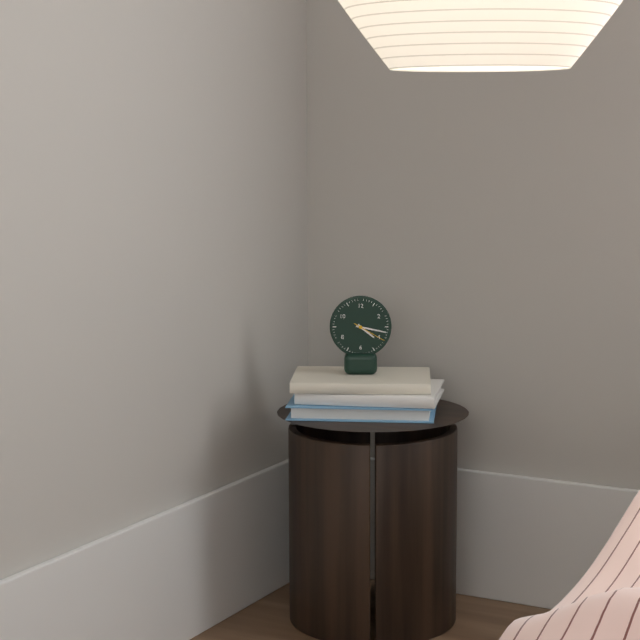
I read {"hour": 4, "minute": 17}
